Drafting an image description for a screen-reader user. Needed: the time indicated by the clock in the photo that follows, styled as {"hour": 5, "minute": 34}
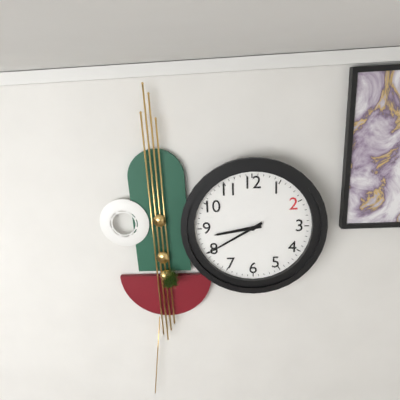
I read {"hour": 8, "minute": 40}
